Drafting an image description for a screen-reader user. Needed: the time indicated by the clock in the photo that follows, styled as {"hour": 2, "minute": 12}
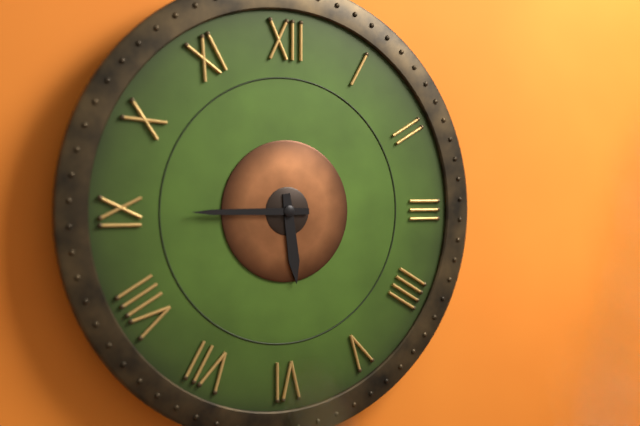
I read {"hour": 5, "minute": 45}
